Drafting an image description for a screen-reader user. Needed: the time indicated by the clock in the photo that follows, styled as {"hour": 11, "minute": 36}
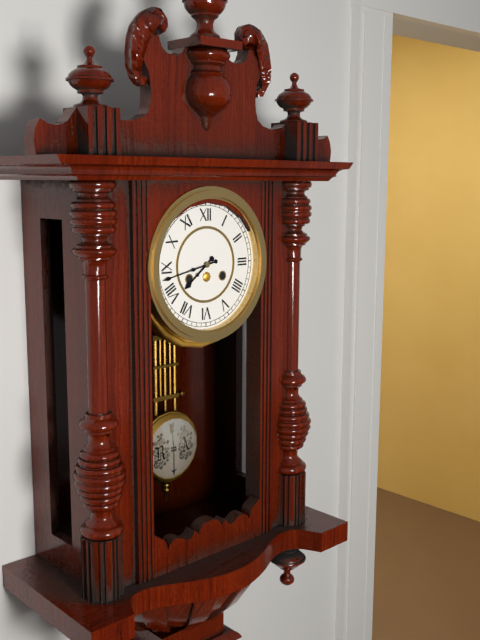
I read {"hour": 7, "minute": 43}
